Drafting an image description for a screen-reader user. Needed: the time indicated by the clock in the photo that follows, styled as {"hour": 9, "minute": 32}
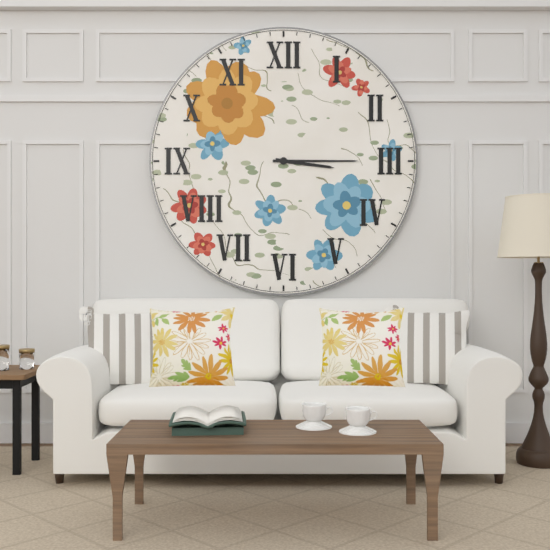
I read {"hour": 3, "minute": 15}
